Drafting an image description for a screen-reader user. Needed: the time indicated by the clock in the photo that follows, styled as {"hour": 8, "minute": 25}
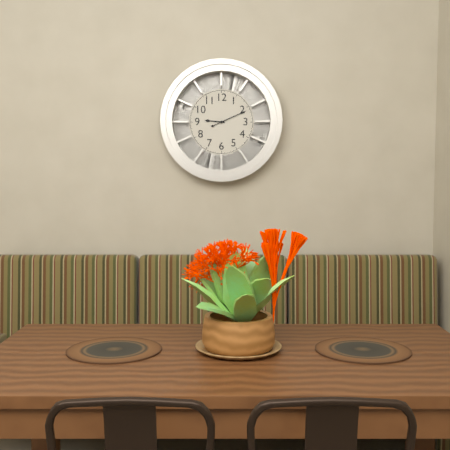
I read {"hour": 9, "minute": 11}
